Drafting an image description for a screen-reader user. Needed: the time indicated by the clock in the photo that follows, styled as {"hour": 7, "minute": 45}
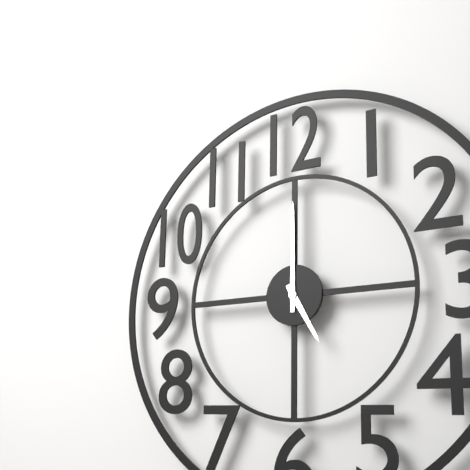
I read {"hour": 5, "minute": 0}
